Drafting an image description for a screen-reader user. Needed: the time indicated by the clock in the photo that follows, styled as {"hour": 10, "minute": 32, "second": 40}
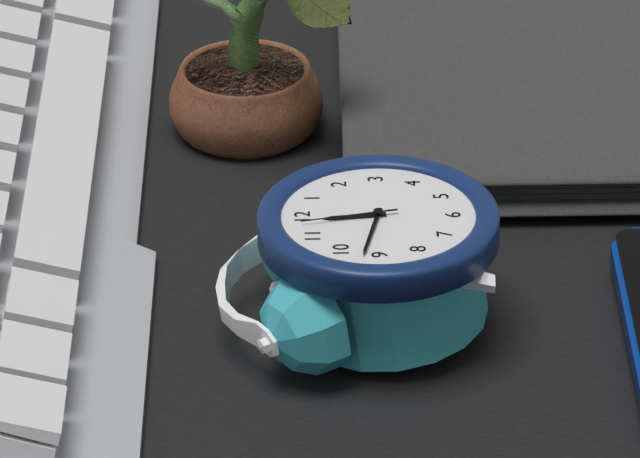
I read {"hour": 11, "minute": 47, "second": 58}
